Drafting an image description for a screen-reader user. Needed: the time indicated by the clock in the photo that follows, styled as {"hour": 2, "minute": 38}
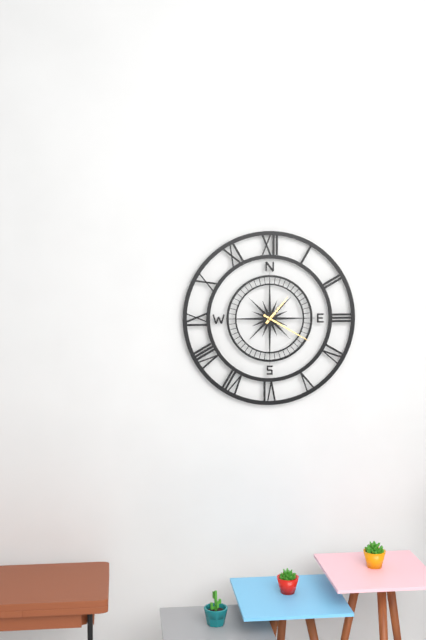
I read {"hour": 1, "minute": 20}
